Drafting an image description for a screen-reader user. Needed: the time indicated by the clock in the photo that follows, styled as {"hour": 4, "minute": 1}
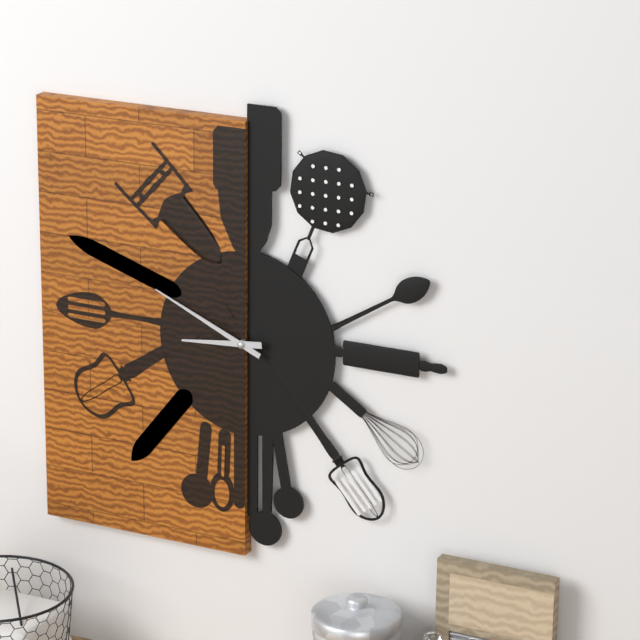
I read {"hour": 8, "minute": 49}
